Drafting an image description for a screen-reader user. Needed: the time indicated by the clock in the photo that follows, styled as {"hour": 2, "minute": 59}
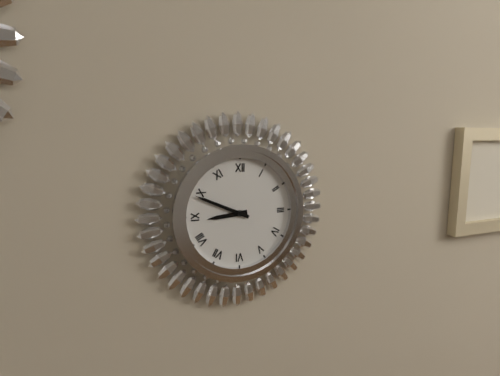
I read {"hour": 8, "minute": 49}
